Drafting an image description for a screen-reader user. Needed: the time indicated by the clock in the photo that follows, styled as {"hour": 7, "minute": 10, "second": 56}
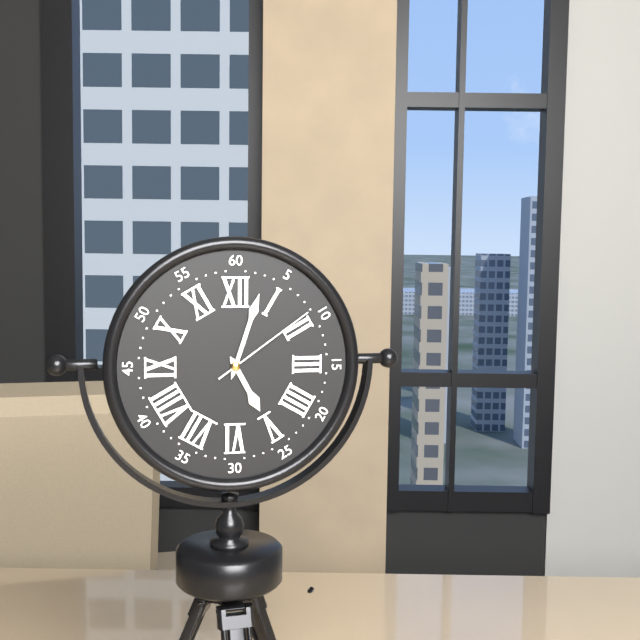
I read {"hour": 5, "minute": 3, "second": 9}
